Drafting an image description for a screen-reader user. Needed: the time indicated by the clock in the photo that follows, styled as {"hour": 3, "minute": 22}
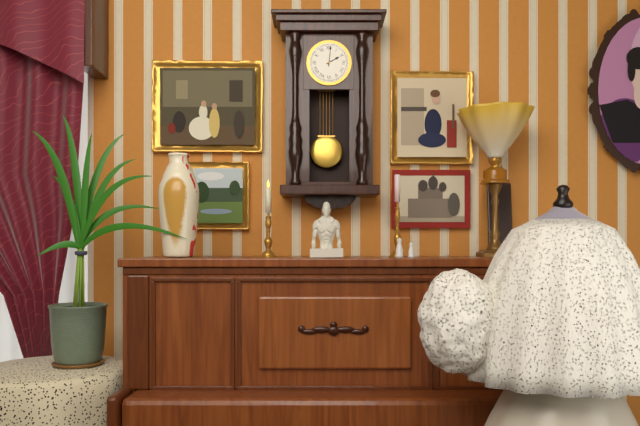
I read {"hour": 2, "minute": 1}
